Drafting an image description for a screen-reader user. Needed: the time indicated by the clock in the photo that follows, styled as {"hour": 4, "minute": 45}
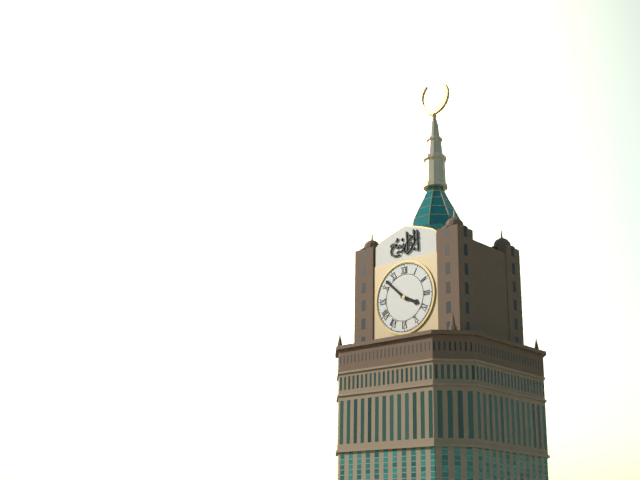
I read {"hour": 3, "minute": 52}
